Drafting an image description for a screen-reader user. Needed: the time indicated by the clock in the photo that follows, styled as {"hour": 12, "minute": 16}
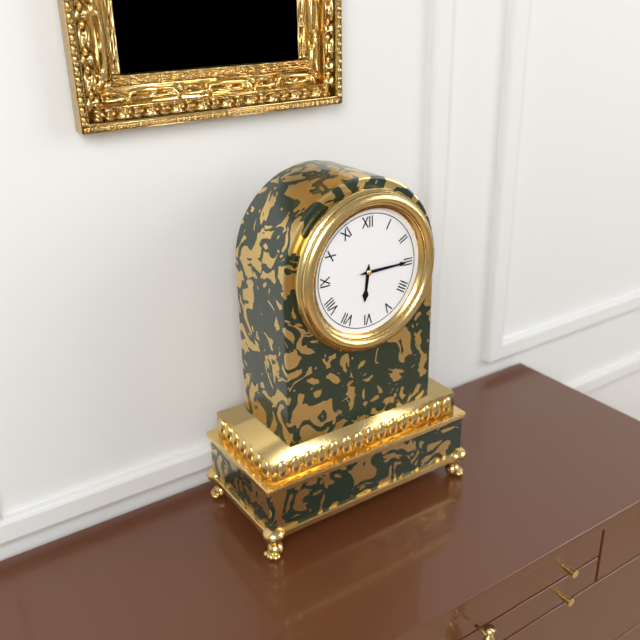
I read {"hour": 6, "minute": 15}
